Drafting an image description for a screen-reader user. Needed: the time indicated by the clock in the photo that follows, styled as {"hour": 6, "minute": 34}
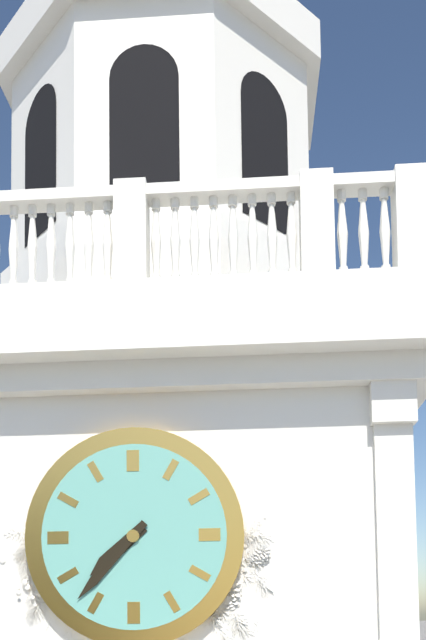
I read {"hour": 7, "minute": 37}
